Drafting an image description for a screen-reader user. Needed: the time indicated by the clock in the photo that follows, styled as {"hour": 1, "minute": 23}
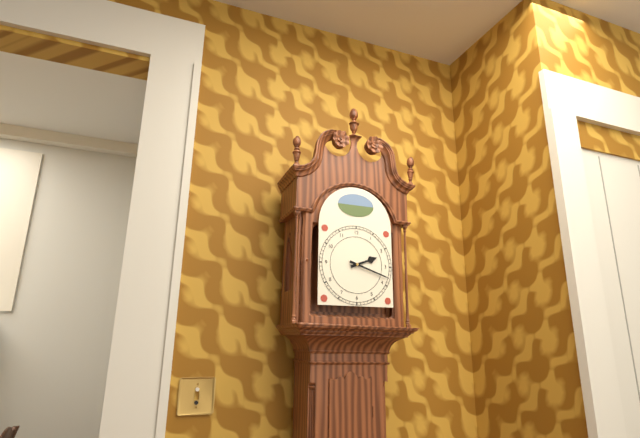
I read {"hour": 2, "minute": 18}
